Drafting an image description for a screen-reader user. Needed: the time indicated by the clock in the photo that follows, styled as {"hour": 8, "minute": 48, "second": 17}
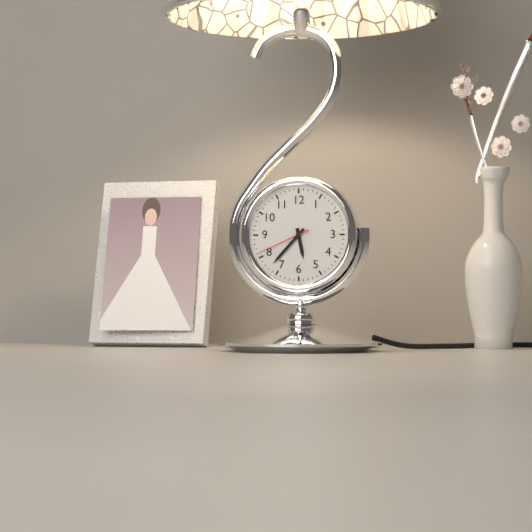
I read {"hour": 5, "minute": 37, "second": 41}
